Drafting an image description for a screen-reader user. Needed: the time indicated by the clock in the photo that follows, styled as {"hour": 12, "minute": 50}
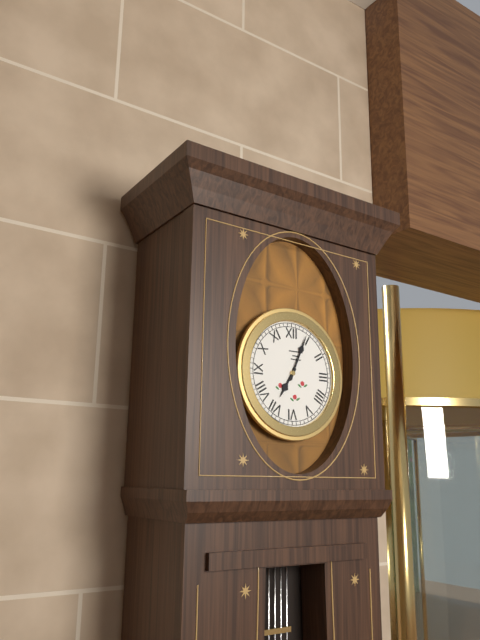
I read {"hour": 7, "minute": 4}
